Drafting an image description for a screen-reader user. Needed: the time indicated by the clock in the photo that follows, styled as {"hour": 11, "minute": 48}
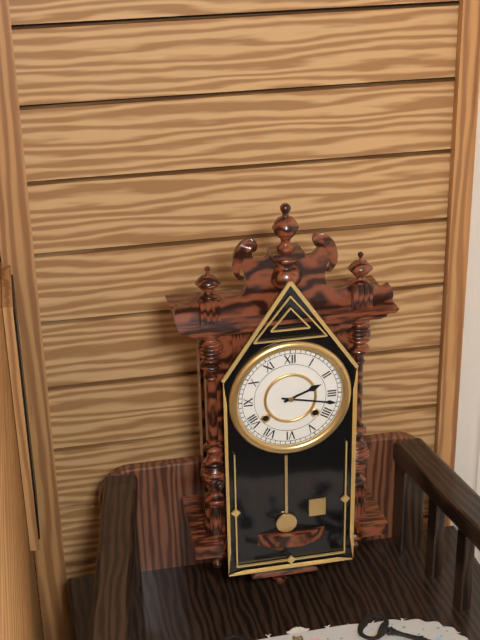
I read {"hour": 2, "minute": 17}
